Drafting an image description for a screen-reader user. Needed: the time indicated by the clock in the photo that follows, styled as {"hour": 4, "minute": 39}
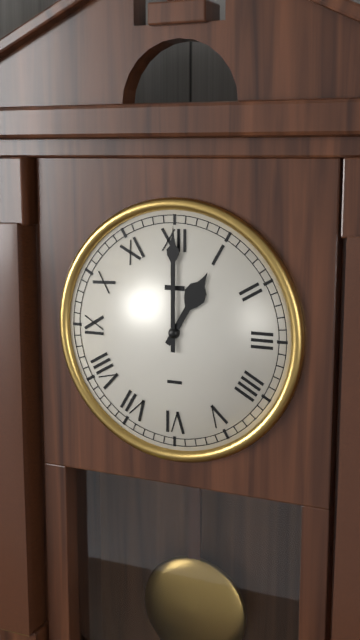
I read {"hour": 1, "minute": 0}
